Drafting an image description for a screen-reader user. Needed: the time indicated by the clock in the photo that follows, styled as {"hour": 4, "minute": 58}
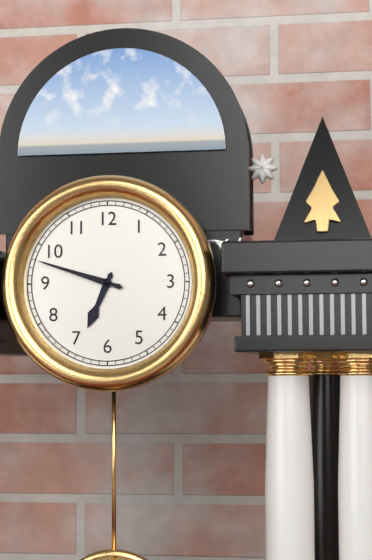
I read {"hour": 6, "minute": 48}
